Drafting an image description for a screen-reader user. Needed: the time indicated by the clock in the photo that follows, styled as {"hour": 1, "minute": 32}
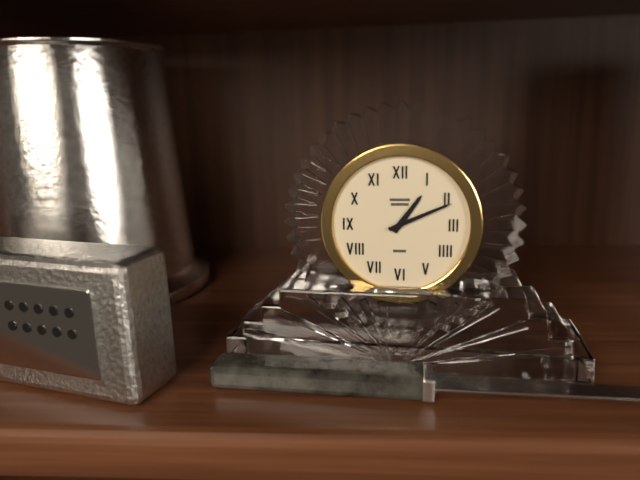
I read {"hour": 1, "minute": 11}
